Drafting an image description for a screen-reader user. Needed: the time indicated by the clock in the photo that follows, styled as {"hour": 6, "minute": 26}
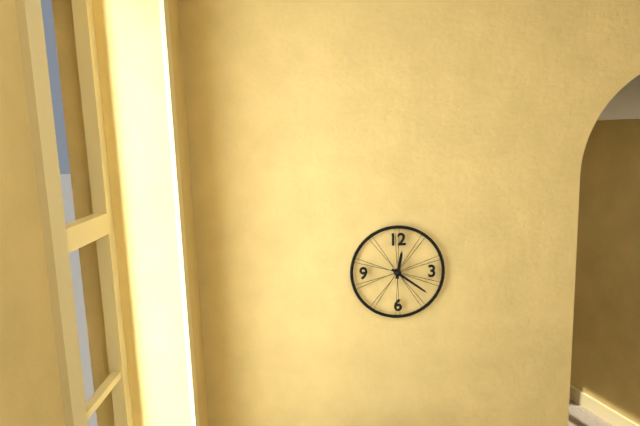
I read {"hour": 12, "minute": 21}
